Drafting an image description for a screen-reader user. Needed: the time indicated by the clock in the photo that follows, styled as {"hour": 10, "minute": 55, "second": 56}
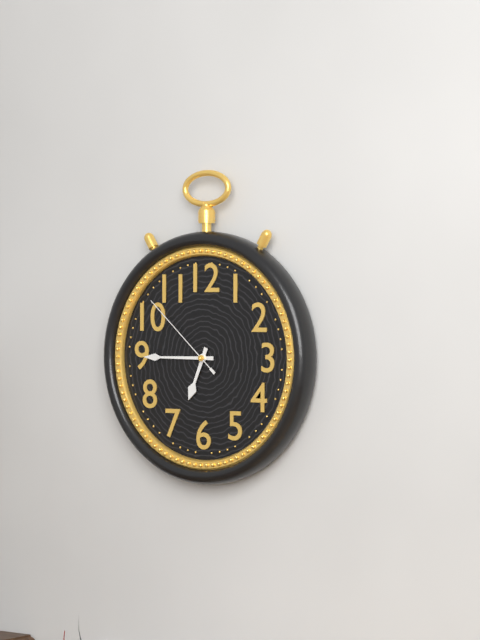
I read {"hour": 6, "minute": 45, "second": 52}
